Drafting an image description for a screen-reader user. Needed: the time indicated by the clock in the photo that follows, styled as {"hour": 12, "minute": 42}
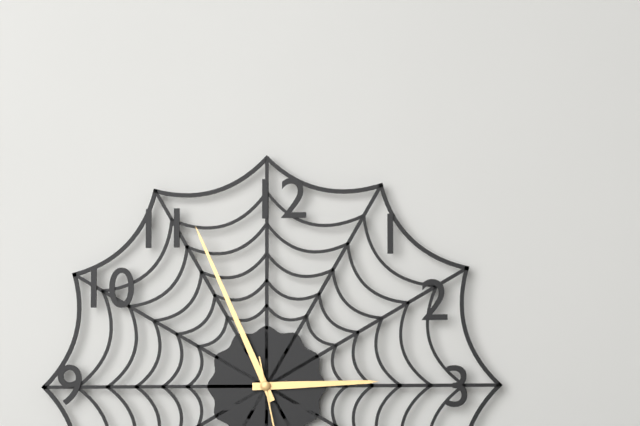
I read {"hour": 2, "minute": 56}
